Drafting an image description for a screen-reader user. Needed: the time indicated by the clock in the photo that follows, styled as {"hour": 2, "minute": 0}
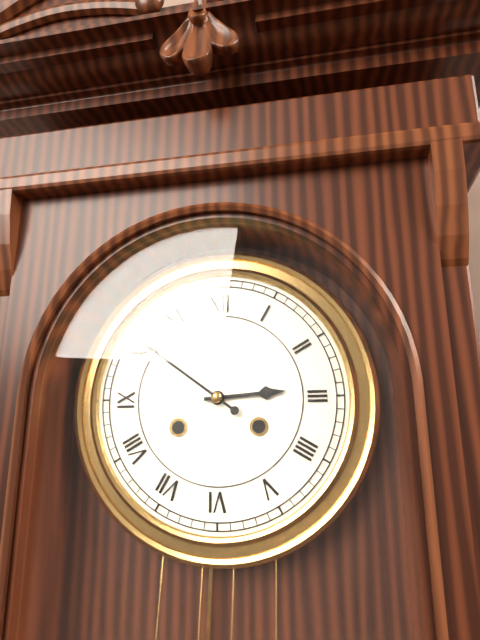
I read {"hour": 2, "minute": 51}
